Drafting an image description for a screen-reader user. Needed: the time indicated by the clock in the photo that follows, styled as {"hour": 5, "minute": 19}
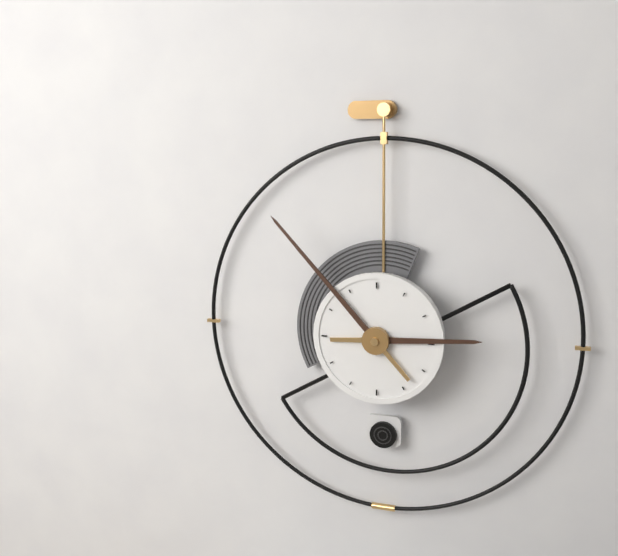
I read {"hour": 2, "minute": 53}
